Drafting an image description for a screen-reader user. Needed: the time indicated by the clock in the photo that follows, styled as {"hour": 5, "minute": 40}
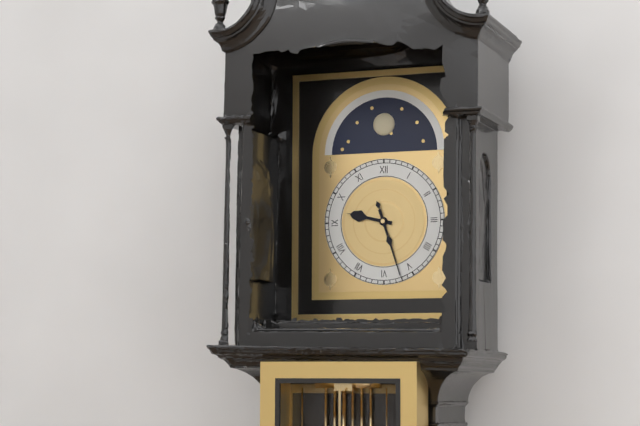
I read {"hour": 9, "minute": 27}
